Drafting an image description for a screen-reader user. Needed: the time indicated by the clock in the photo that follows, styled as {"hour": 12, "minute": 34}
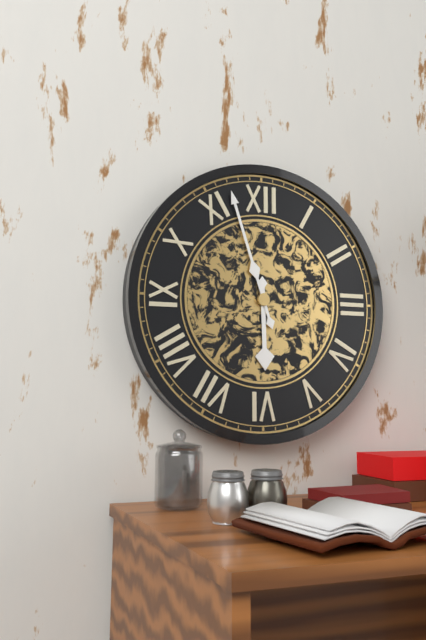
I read {"hour": 5, "minute": 57}
